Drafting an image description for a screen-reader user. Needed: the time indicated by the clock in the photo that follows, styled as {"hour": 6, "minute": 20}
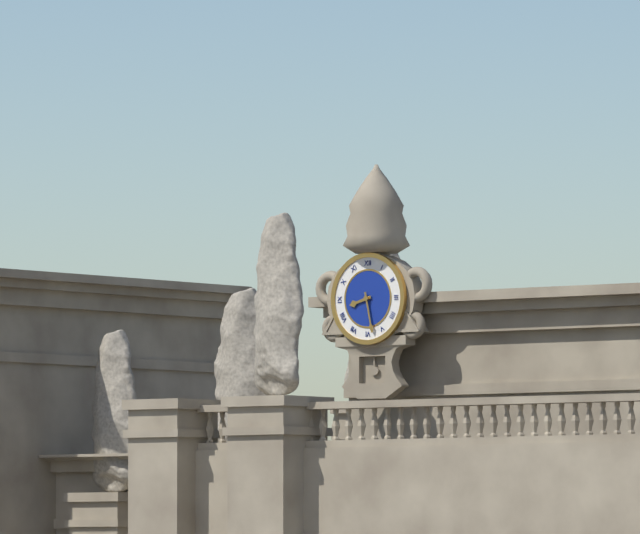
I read {"hour": 8, "minute": 28}
